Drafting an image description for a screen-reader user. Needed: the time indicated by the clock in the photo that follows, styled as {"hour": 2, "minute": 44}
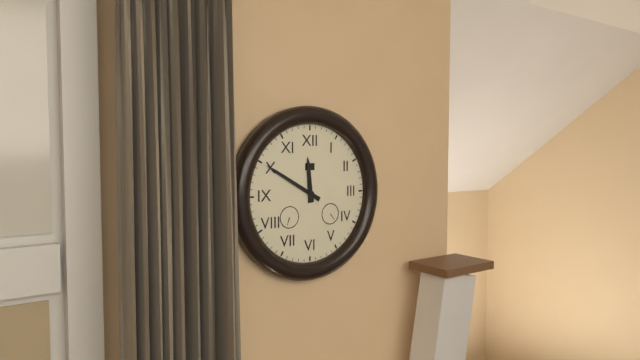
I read {"hour": 11, "minute": 50}
